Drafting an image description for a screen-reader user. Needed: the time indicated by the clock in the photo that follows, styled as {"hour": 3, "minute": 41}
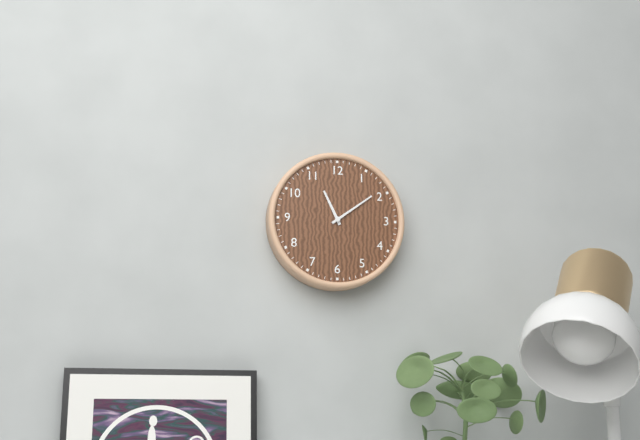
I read {"hour": 11, "minute": 9}
